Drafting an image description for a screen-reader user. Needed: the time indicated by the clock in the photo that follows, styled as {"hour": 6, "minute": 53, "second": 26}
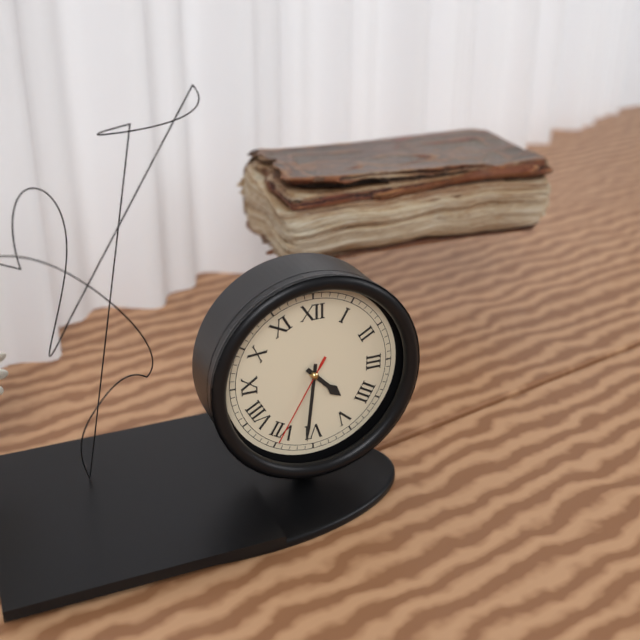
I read {"hour": 4, "minute": 31, "second": 35}
